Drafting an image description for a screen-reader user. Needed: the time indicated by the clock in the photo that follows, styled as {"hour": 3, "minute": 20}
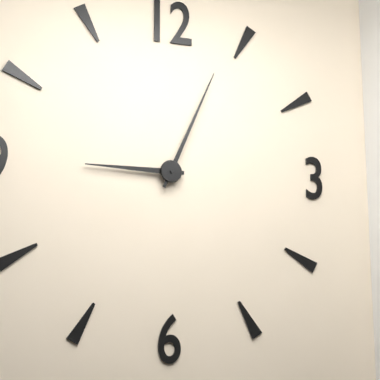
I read {"hour": 9, "minute": 4}
